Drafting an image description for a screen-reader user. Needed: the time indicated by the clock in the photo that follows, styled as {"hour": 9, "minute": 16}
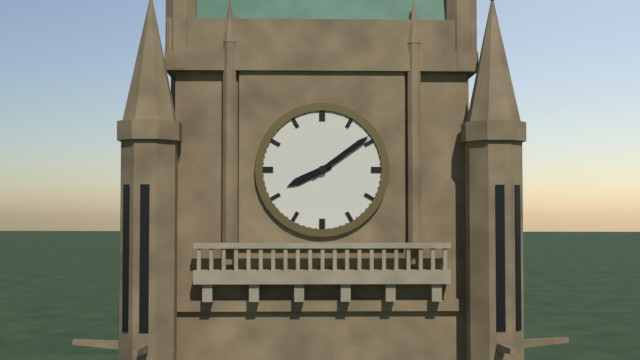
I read {"hour": 8, "minute": 9}
